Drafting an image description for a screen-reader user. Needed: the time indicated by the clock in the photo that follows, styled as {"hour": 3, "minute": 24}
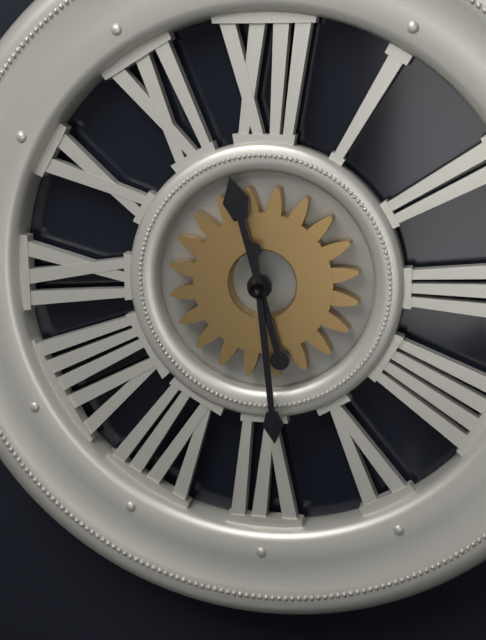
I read {"hour": 11, "minute": 29}
